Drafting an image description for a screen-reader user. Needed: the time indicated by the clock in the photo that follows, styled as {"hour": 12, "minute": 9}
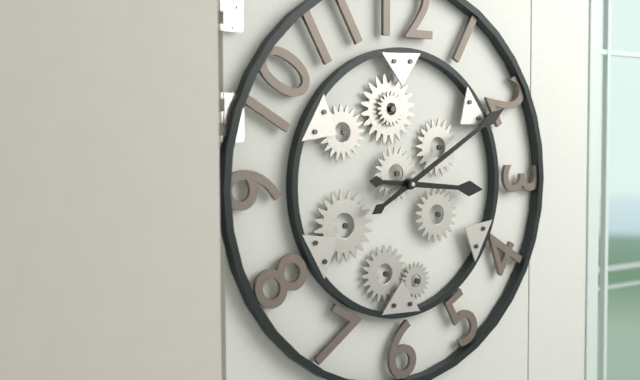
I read {"hour": 3, "minute": 10}
